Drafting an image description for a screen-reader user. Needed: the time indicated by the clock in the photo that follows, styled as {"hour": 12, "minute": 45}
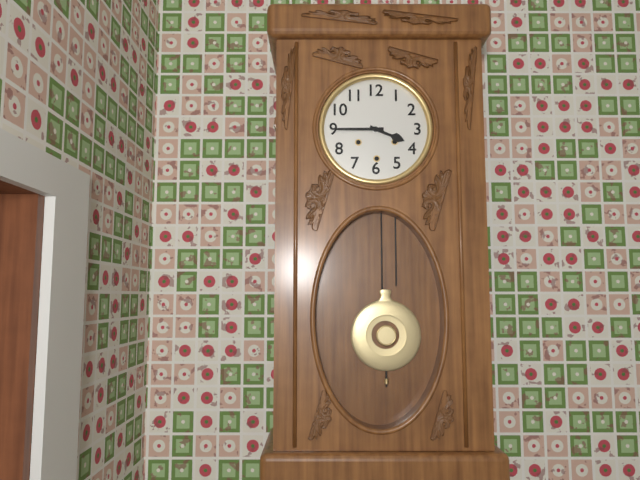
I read {"hour": 3, "minute": 45}
